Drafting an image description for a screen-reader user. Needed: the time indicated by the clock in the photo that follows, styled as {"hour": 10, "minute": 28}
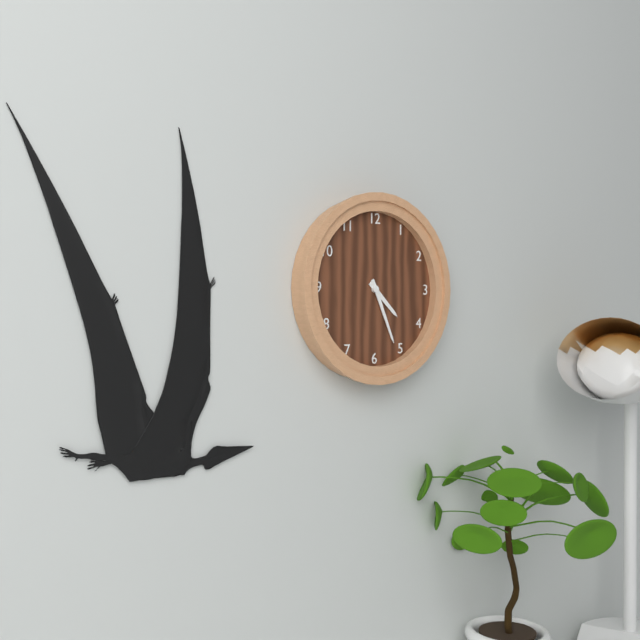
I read {"hour": 4, "minute": 26}
